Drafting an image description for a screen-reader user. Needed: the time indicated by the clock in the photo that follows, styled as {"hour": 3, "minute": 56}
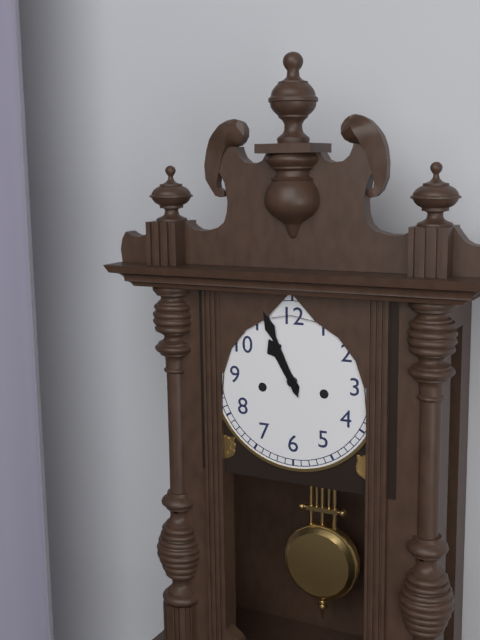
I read {"hour": 10, "minute": 56}
